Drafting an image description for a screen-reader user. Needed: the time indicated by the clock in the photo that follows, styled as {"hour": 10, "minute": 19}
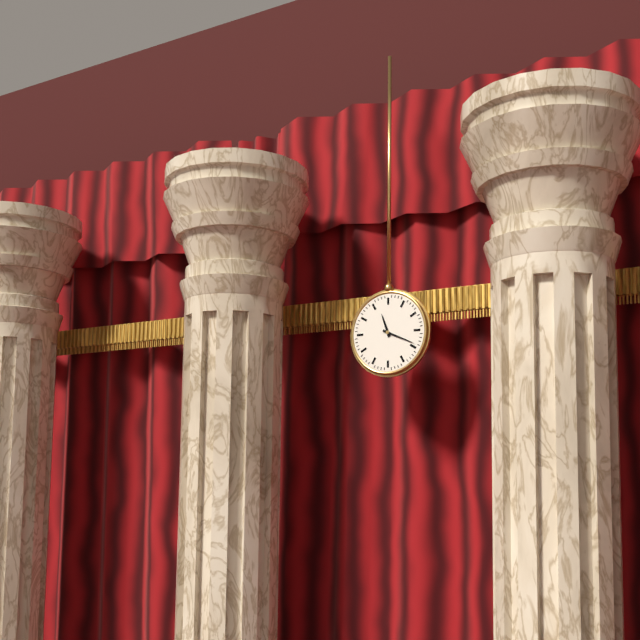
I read {"hour": 11, "minute": 19}
